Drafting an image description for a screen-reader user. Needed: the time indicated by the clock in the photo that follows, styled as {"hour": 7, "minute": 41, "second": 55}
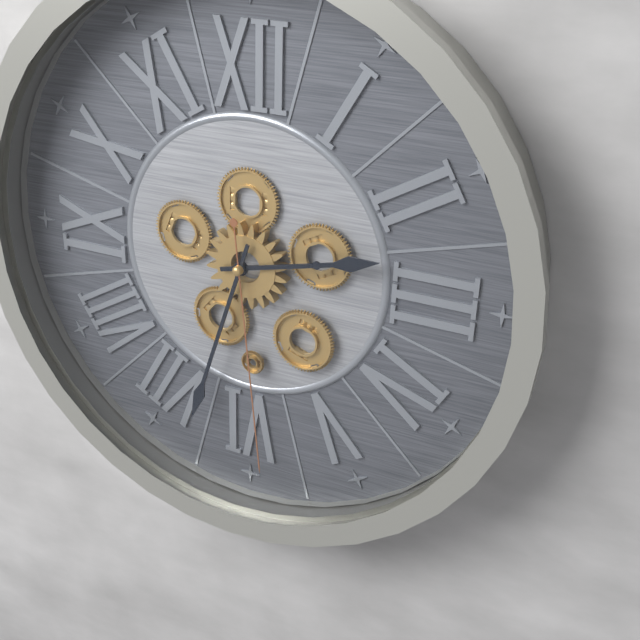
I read {"hour": 2, "minute": 33, "second": 29}
